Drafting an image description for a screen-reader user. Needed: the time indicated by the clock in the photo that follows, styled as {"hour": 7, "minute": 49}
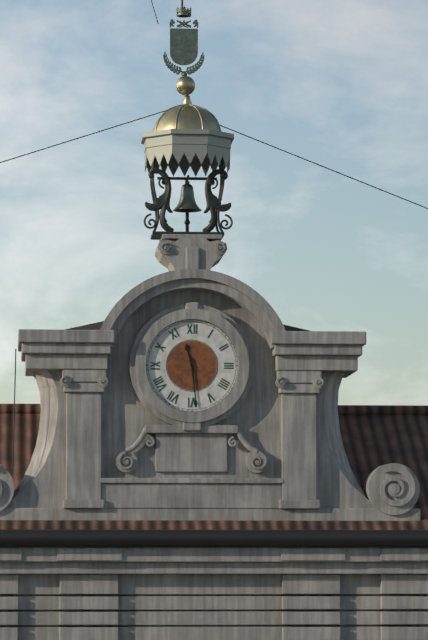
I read {"hour": 11, "minute": 29}
